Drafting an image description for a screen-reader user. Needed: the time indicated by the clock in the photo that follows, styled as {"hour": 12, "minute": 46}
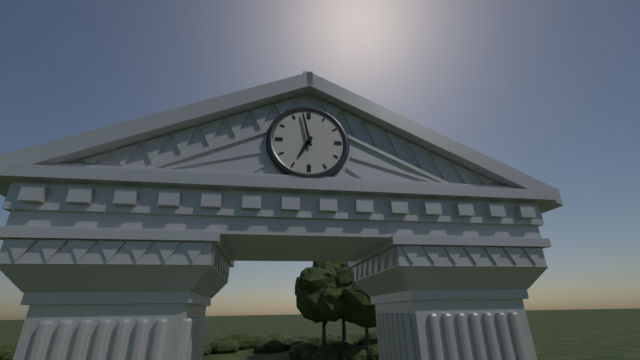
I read {"hour": 6, "minute": 58}
